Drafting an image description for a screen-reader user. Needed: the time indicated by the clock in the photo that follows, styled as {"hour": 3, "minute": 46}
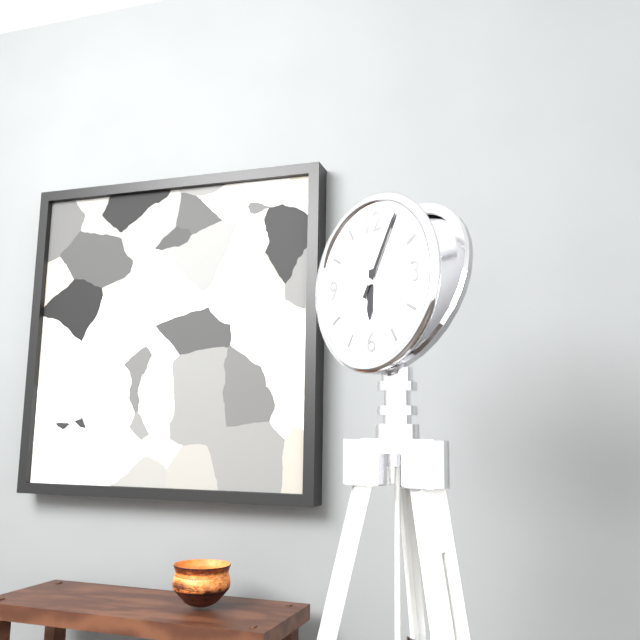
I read {"hour": 6, "minute": 5}
